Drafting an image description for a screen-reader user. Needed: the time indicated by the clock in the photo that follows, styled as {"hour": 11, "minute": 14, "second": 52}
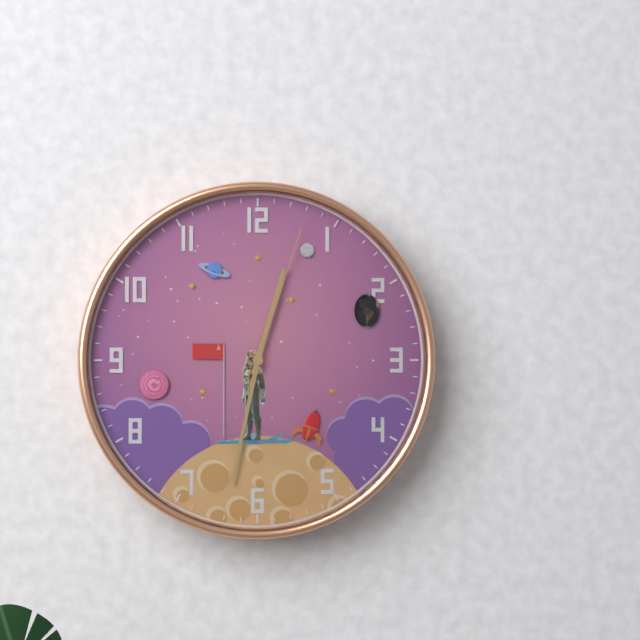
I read {"hour": 12, "minute": 32, "second": 3}
